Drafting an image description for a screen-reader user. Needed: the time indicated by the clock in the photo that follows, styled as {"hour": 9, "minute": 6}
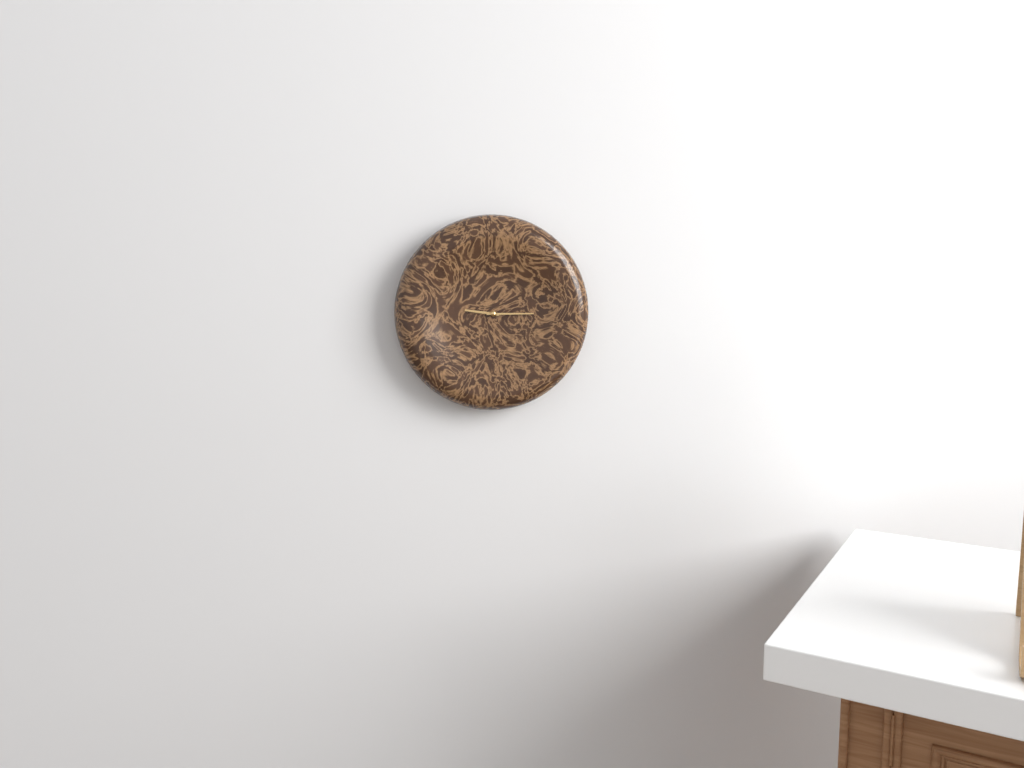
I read {"hour": 9, "minute": 15}
